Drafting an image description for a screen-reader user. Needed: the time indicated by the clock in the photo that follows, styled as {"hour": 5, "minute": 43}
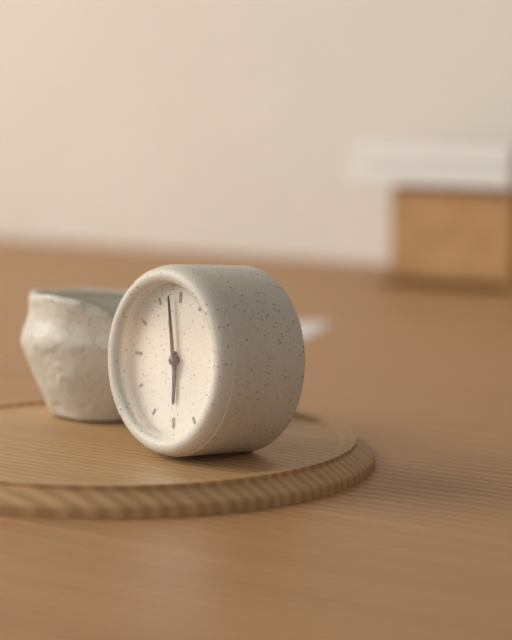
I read {"hour": 5, "minute": 58}
